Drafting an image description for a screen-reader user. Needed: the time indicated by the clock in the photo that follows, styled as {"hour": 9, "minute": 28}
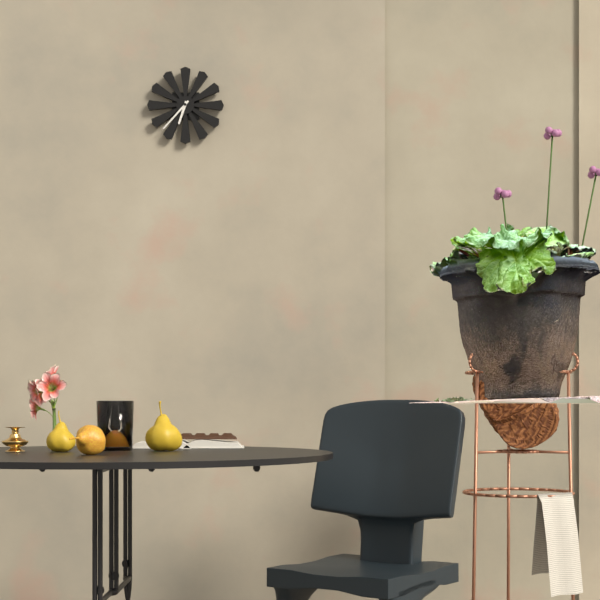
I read {"hour": 6, "minute": 37}
